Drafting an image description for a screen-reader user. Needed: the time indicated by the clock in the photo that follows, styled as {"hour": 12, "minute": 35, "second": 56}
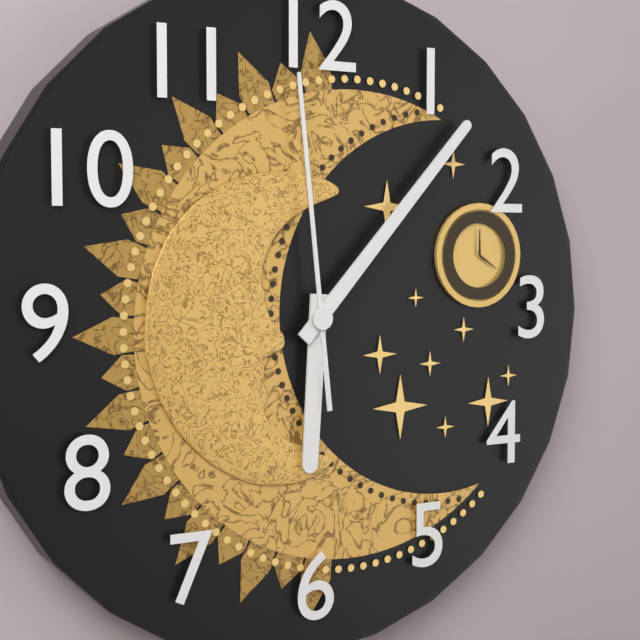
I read {"hour": 6, "minute": 7, "second": 59}
